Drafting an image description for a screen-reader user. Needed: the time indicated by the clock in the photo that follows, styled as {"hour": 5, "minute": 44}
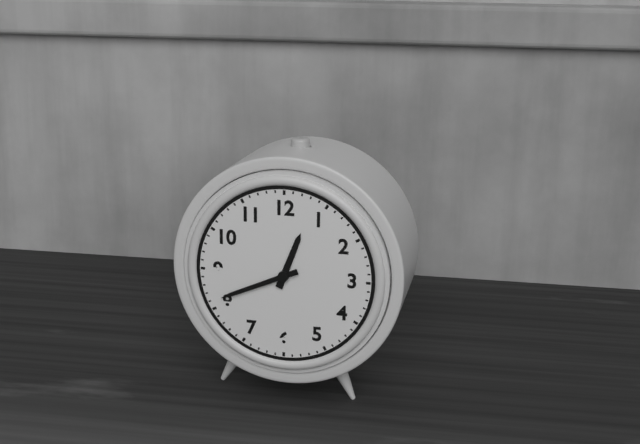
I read {"hour": 12, "minute": 41}
